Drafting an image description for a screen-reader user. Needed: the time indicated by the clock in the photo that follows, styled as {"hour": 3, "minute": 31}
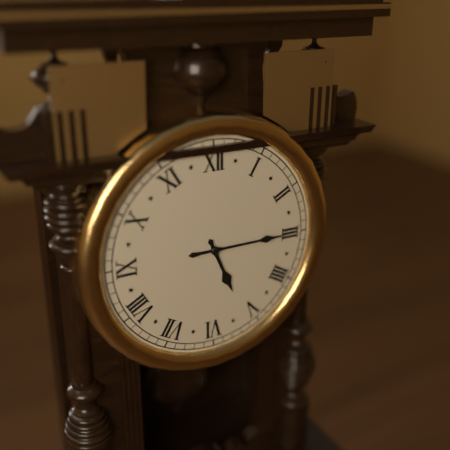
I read {"hour": 5, "minute": 15}
